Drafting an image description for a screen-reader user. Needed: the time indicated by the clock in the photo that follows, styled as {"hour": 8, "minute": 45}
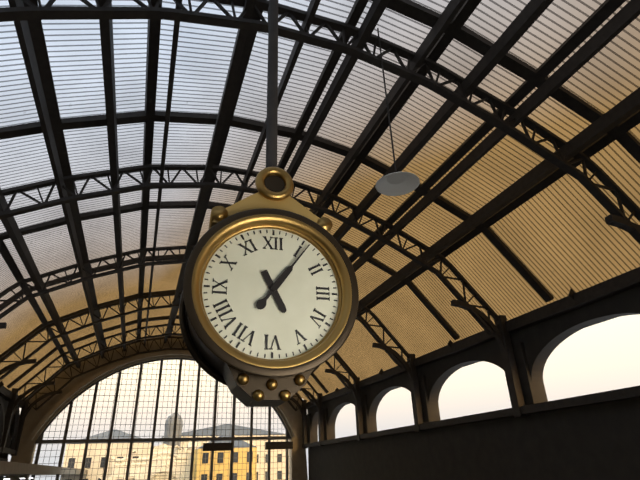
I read {"hour": 5, "minute": 6}
